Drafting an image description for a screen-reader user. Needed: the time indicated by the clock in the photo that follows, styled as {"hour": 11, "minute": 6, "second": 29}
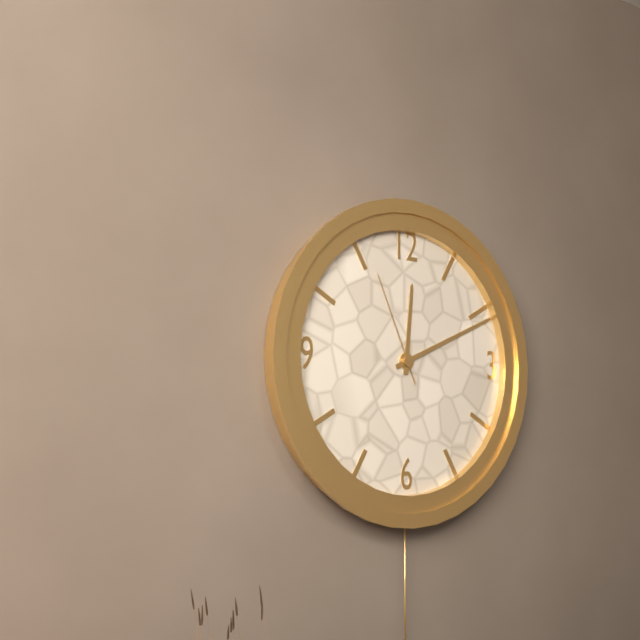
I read {"hour": 12, "minute": 11, "second": 56}
